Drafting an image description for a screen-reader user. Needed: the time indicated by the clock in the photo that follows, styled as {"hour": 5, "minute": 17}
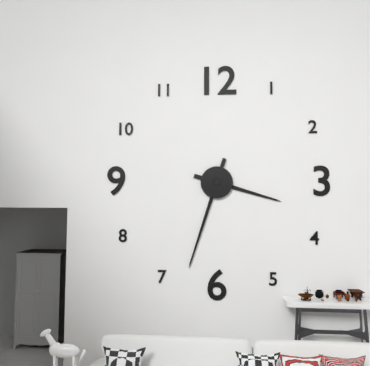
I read {"hour": 3, "minute": 33}
